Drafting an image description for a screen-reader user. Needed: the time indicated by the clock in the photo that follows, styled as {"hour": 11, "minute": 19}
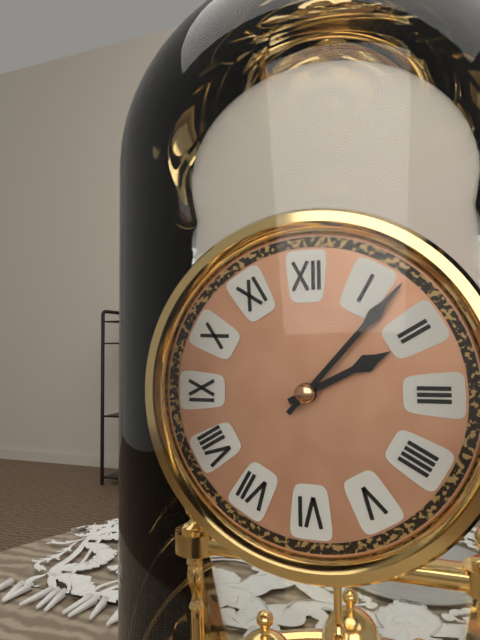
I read {"hour": 2, "minute": 7}
